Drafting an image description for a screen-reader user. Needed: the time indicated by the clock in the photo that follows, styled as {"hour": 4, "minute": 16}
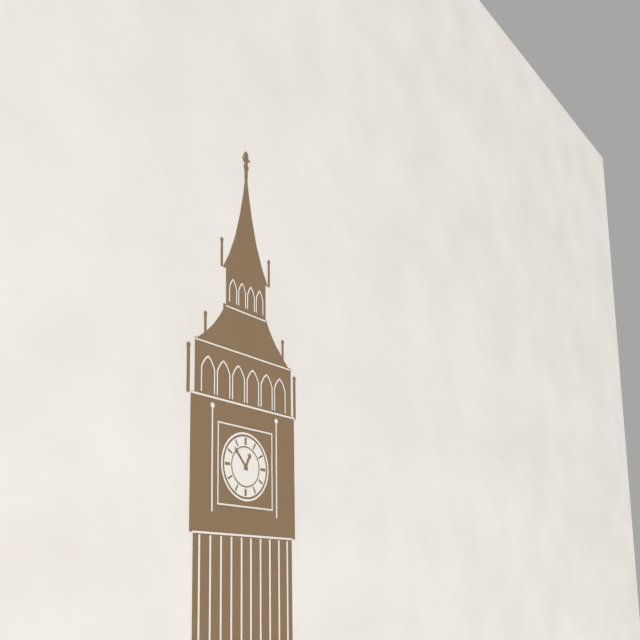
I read {"hour": 12, "minute": 53}
